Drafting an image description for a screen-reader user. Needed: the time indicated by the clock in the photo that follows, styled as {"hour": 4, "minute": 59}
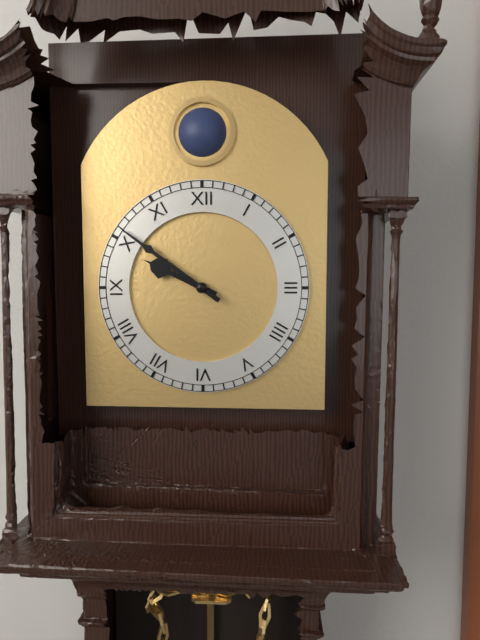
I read {"hour": 9, "minute": 51}
